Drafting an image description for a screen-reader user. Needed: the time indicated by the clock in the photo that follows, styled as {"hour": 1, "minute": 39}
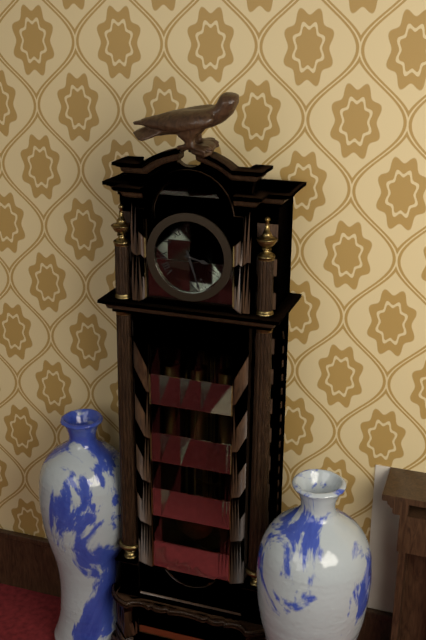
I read {"hour": 3, "minute": 27}
